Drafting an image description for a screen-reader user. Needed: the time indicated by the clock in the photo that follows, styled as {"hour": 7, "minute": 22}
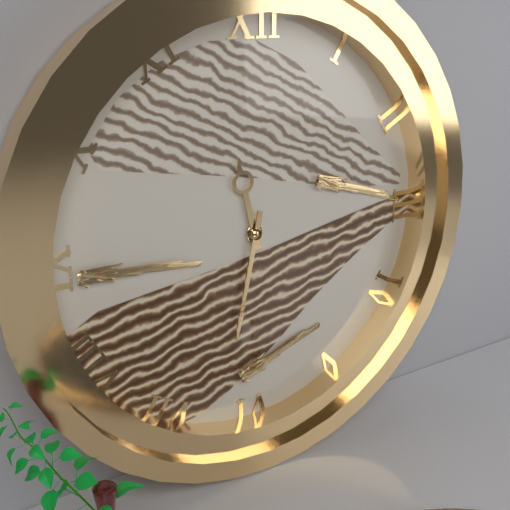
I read {"hour": 11, "minute": 32}
